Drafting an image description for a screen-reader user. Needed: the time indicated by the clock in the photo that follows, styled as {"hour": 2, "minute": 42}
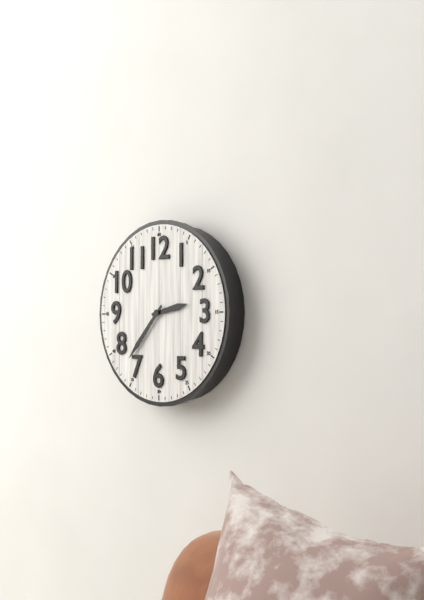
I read {"hour": 2, "minute": 37}
